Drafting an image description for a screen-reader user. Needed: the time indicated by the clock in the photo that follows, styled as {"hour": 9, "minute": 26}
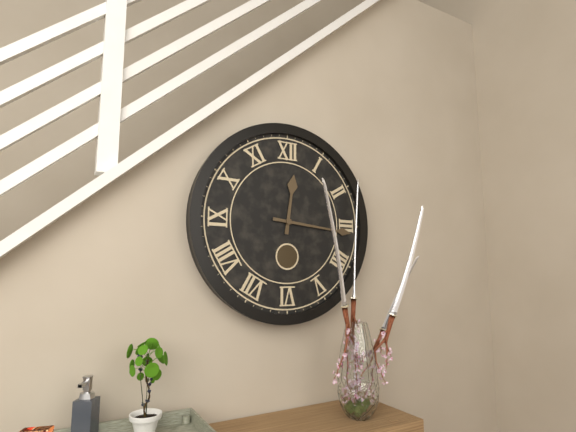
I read {"hour": 12, "minute": 16}
